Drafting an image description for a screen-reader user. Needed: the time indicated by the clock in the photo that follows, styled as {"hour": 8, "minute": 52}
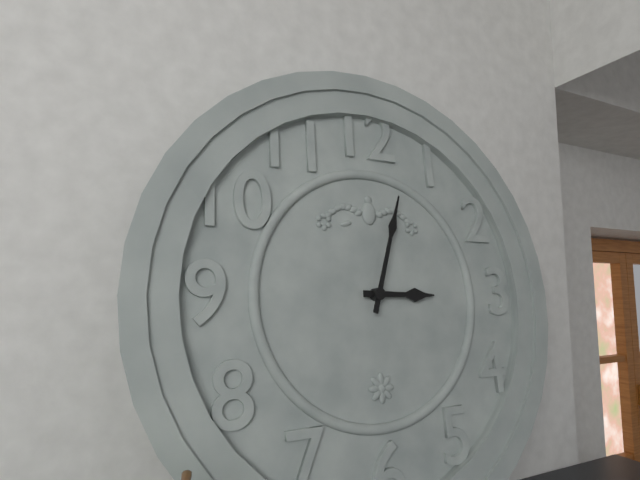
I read {"hour": 3, "minute": 3}
